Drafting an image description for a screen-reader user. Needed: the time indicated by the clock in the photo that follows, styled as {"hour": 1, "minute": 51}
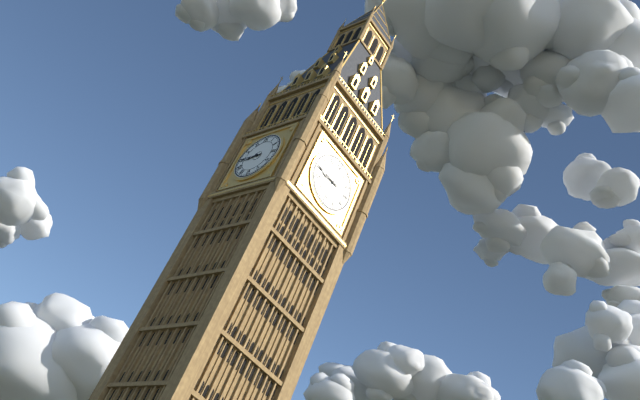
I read {"hour": 8, "minute": 45}
